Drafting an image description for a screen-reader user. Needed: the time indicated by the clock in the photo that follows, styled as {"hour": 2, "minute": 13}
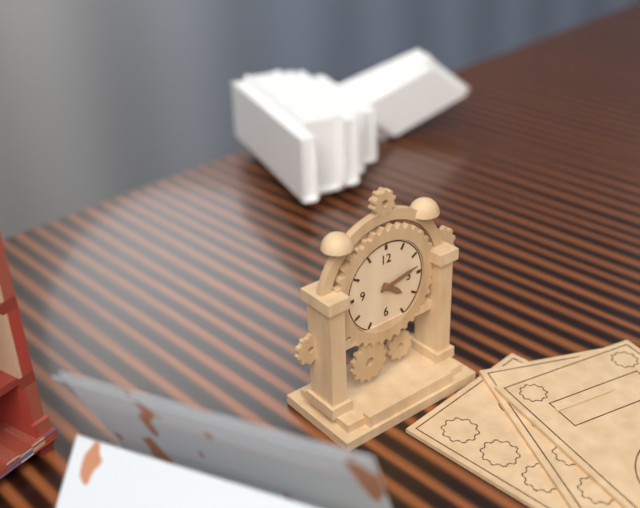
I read {"hour": 4, "minute": 13}
